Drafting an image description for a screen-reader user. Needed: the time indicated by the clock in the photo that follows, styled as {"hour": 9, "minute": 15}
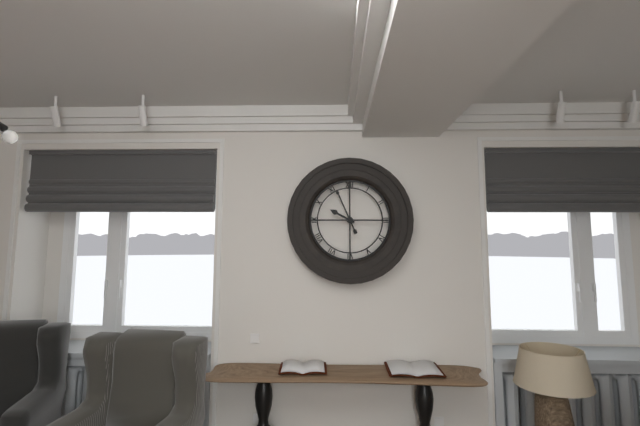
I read {"hour": 9, "minute": 56}
